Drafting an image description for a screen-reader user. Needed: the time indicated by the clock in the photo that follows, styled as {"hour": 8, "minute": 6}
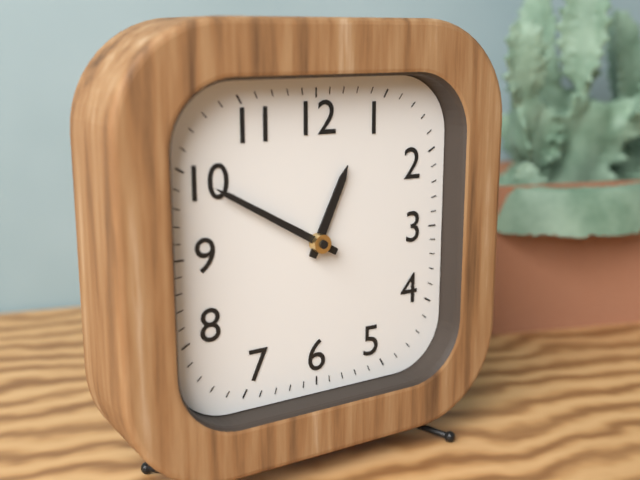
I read {"hour": 12, "minute": 50}
